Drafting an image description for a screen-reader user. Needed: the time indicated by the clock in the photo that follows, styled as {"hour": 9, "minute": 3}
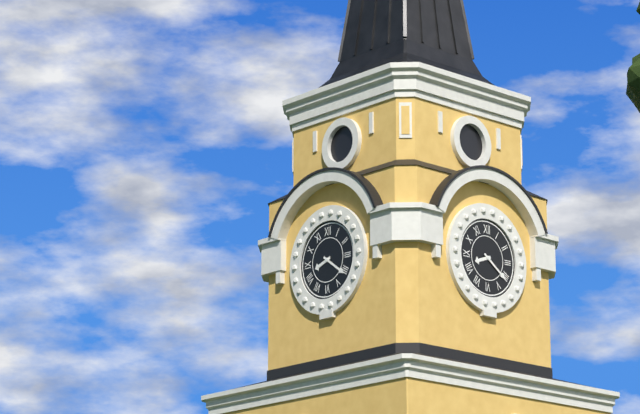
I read {"hour": 8, "minute": 21}
